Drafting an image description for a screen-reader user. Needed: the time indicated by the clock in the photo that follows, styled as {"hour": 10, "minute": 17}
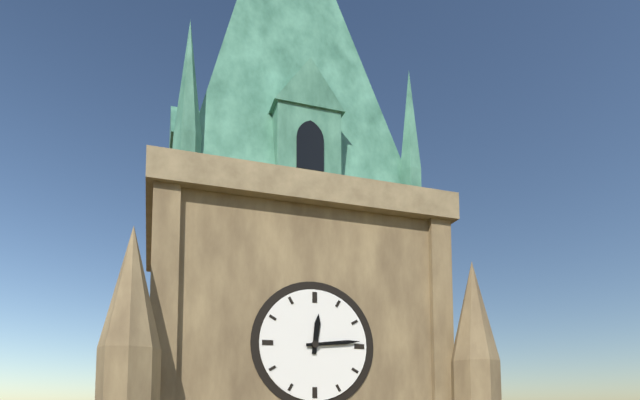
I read {"hour": 12, "minute": 14}
